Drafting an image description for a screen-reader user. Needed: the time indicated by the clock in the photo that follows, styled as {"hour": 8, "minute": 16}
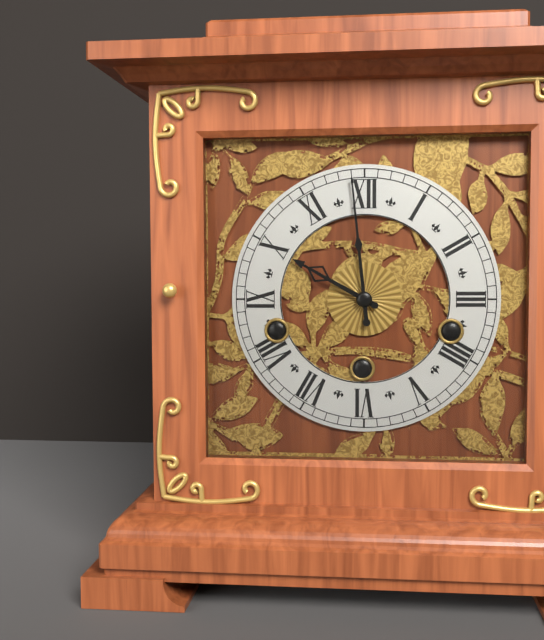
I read {"hour": 9, "minute": 59}
